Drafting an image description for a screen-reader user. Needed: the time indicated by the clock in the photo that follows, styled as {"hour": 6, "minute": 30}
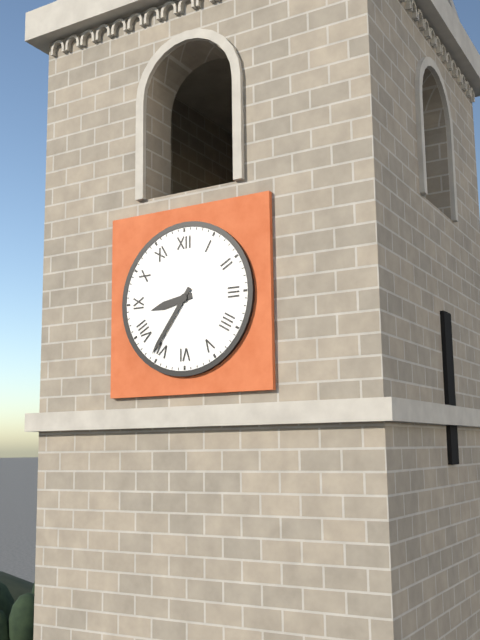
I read {"hour": 8, "minute": 36}
